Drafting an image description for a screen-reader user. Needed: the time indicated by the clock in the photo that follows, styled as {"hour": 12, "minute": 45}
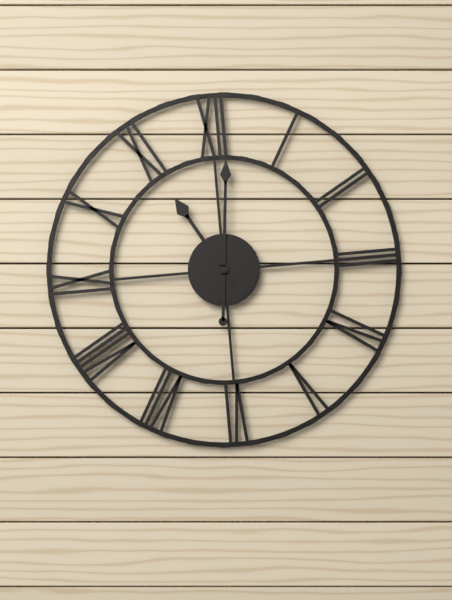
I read {"hour": 11, "minute": 1}
